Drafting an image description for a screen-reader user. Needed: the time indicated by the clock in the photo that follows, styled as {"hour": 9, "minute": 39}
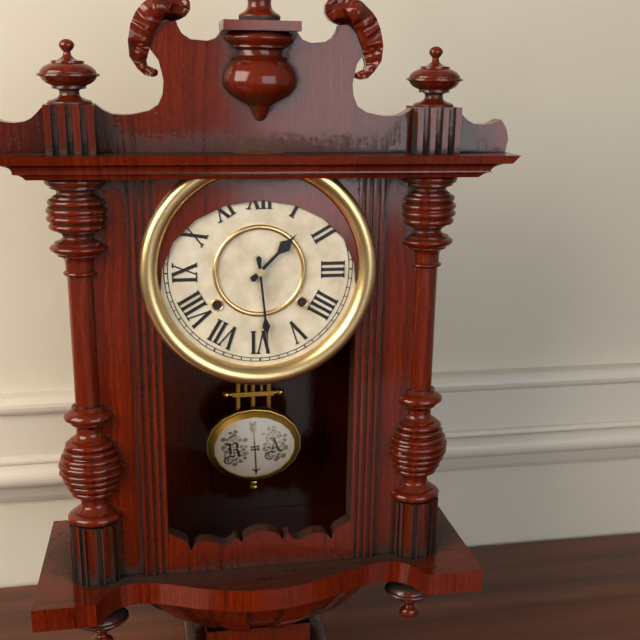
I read {"hour": 1, "minute": 29}
